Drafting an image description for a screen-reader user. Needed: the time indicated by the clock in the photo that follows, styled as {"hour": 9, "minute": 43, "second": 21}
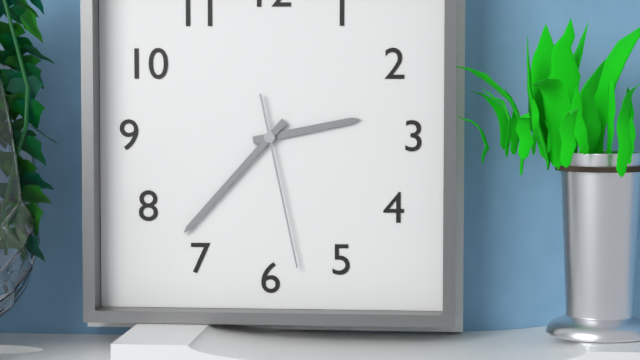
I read {"hour": 2, "minute": 37, "second": 28}
